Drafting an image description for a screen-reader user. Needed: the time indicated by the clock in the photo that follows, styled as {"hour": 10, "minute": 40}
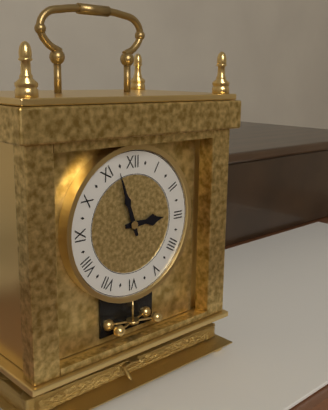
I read {"hour": 2, "minute": 57}
